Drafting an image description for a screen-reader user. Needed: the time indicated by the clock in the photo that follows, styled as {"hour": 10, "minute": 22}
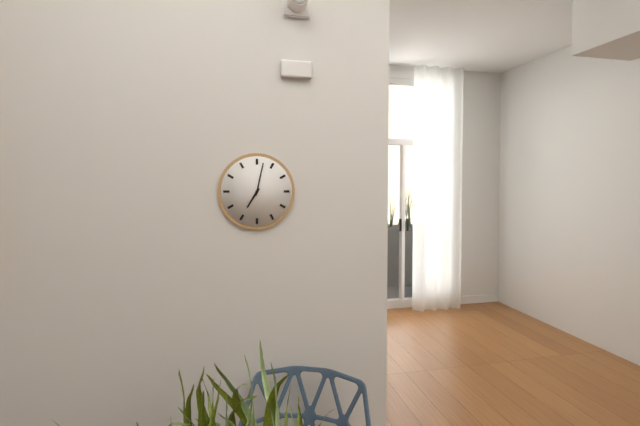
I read {"hour": 7, "minute": 2}
